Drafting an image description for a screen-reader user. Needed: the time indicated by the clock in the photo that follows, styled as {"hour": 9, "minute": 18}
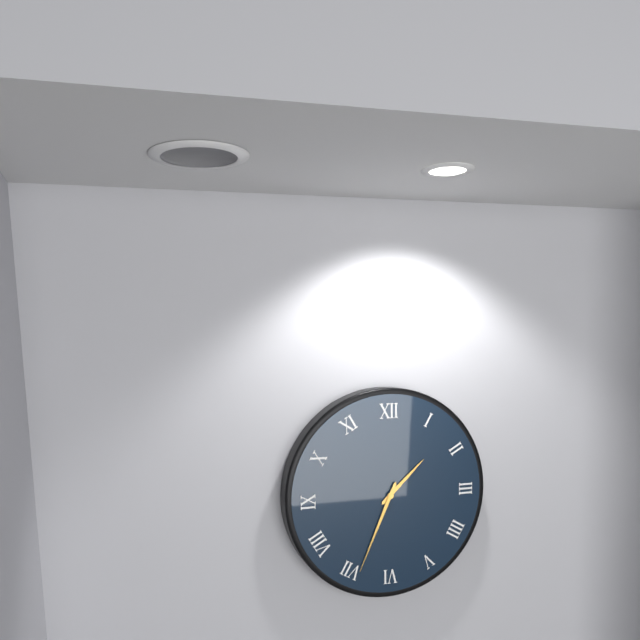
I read {"hour": 1, "minute": 34}
